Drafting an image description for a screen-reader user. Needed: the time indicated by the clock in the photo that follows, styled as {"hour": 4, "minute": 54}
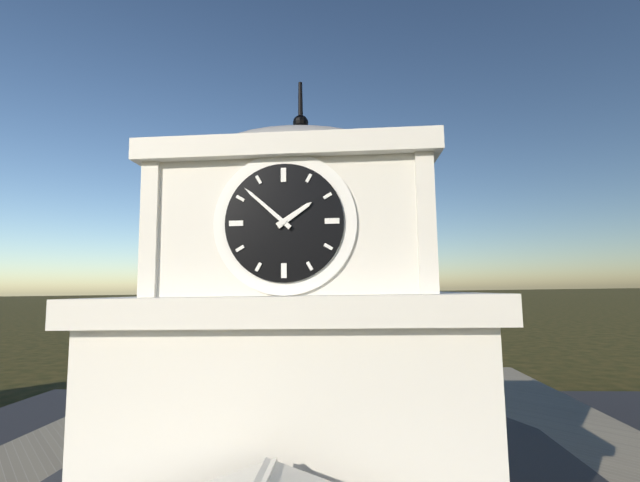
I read {"hour": 1, "minute": 52}
